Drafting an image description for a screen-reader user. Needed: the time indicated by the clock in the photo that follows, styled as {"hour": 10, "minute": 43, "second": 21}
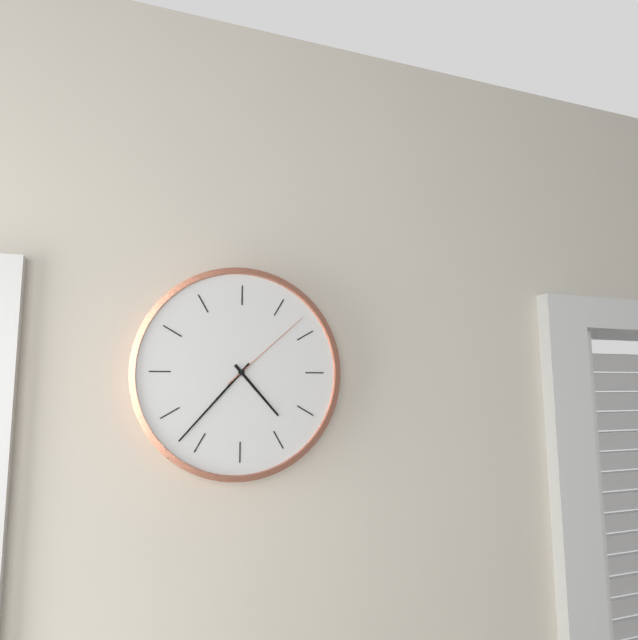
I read {"hour": 4, "minute": 37, "second": 8}
